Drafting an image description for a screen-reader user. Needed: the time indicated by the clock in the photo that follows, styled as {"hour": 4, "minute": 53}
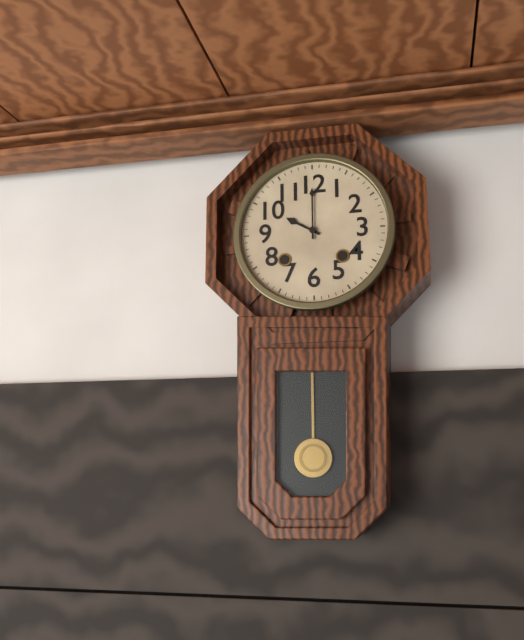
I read {"hour": 10, "minute": 0}
